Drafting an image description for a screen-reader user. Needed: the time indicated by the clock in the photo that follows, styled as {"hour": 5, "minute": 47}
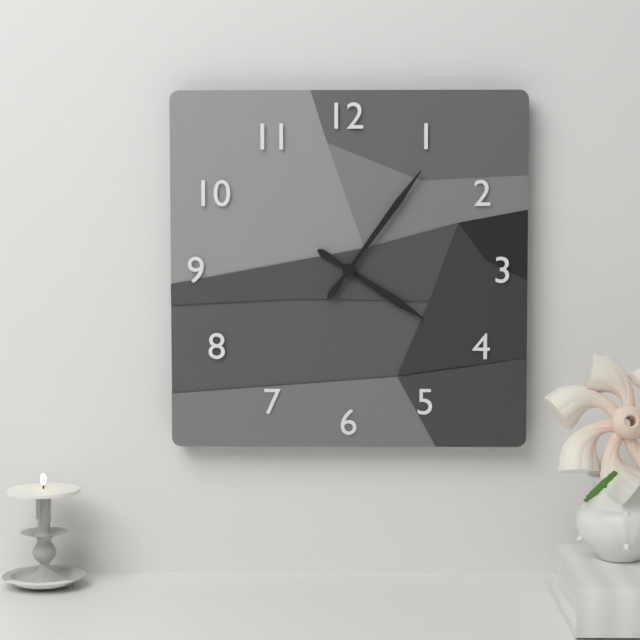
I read {"hour": 4, "minute": 6}
